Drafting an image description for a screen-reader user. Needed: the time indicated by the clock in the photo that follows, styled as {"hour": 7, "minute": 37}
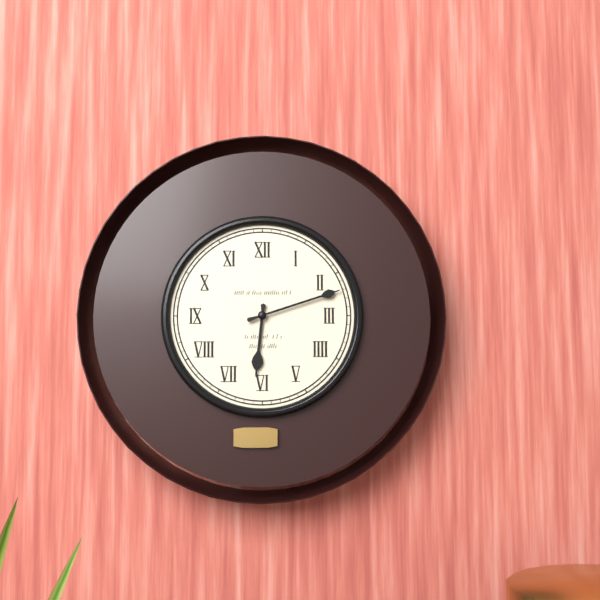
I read {"hour": 6, "minute": 12}
